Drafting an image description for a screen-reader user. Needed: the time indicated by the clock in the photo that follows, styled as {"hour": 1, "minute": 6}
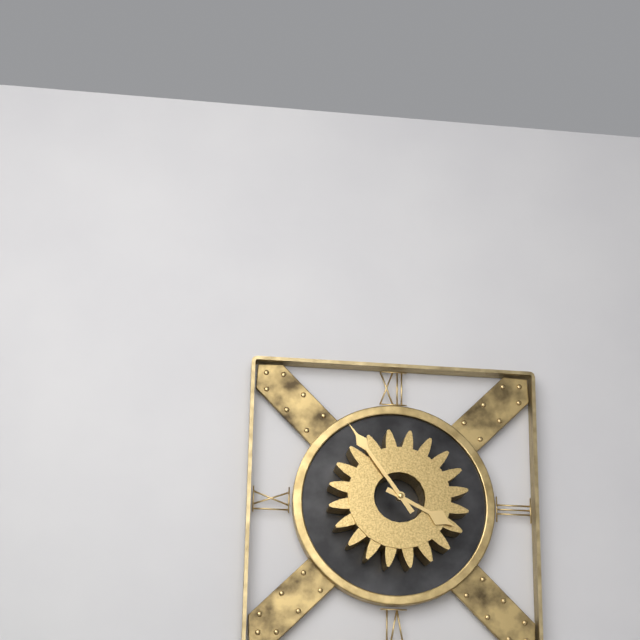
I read {"hour": 3, "minute": 54}
